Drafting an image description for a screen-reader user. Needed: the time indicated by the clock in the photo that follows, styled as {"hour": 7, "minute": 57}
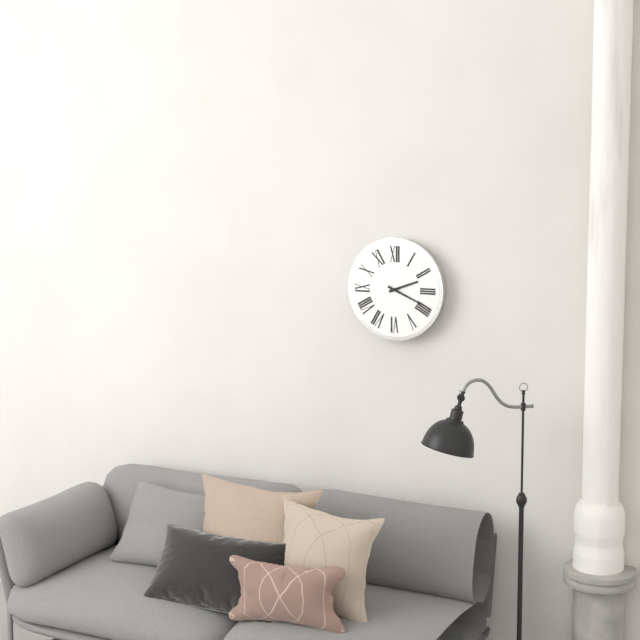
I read {"hour": 2, "minute": 19}
